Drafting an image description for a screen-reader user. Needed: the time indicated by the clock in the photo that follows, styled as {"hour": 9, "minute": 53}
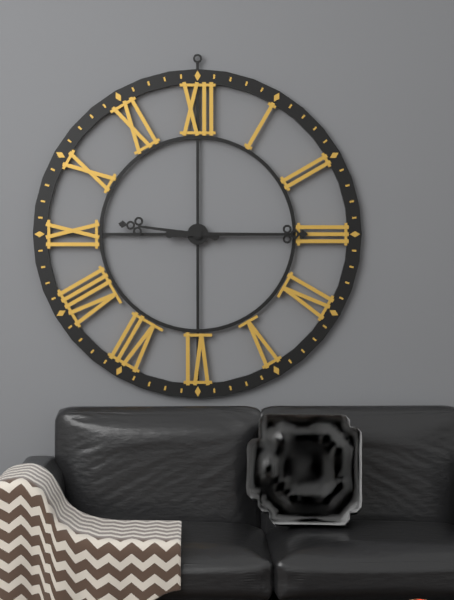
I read {"hour": 9, "minute": 15}
